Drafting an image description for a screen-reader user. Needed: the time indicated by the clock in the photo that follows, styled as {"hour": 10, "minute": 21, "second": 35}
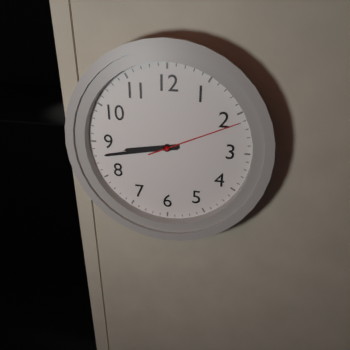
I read {"hour": 8, "minute": 43, "second": 11}
